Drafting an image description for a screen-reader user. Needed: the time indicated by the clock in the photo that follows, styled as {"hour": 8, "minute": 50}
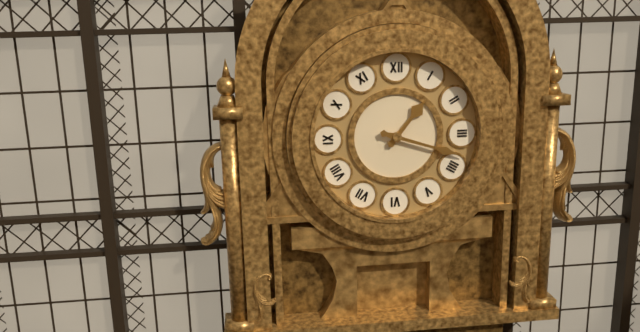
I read {"hour": 1, "minute": 18}
